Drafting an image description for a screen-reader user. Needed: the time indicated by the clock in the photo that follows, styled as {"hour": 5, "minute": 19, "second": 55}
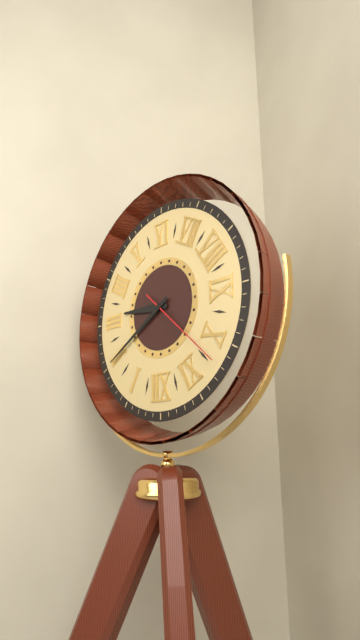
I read {"hour": 3, "minute": 10, "second": 52}
